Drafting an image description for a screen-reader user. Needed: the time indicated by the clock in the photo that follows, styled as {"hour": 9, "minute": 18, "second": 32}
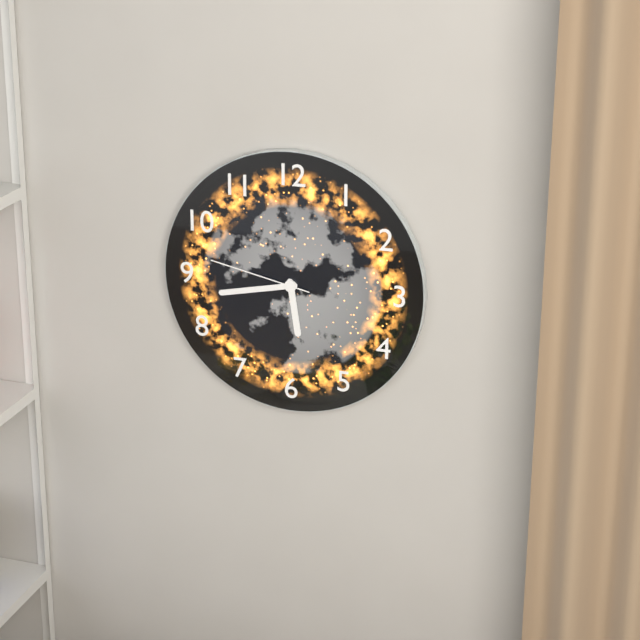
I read {"hour": 5, "minute": 43, "second": 47}
